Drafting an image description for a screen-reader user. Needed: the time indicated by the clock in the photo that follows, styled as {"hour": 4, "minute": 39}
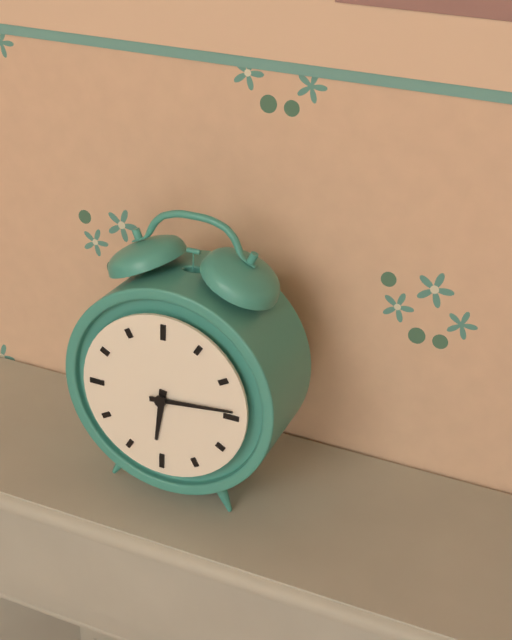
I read {"hour": 6, "minute": 14}
